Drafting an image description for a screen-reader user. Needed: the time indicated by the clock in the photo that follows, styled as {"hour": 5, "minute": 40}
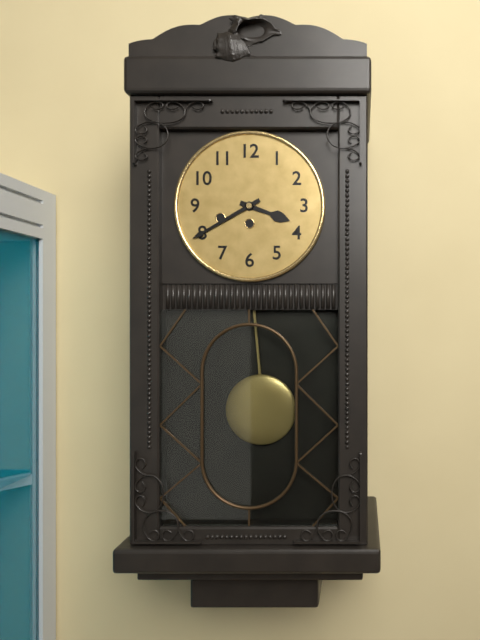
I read {"hour": 3, "minute": 40}
